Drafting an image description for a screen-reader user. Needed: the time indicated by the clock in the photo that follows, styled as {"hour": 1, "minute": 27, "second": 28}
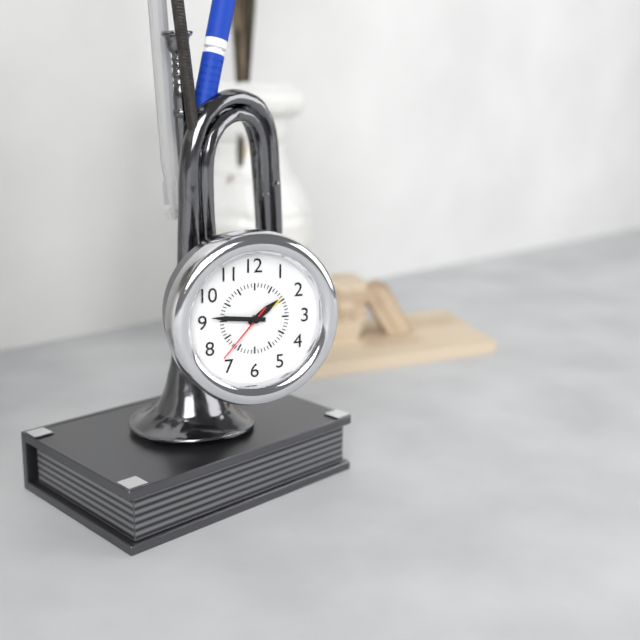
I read {"hour": 1, "minute": 46, "second": 37}
